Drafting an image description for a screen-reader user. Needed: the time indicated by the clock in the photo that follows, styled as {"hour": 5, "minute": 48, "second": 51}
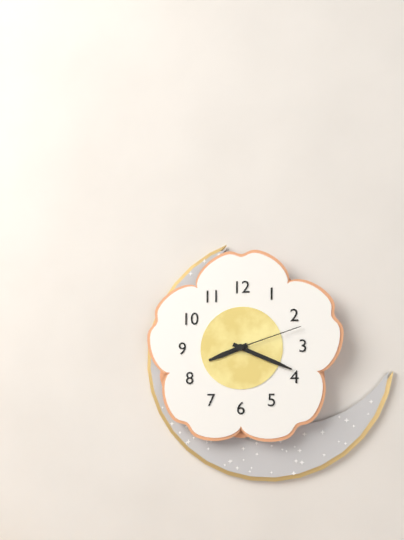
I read {"hour": 8, "minute": 19, "second": 12}
